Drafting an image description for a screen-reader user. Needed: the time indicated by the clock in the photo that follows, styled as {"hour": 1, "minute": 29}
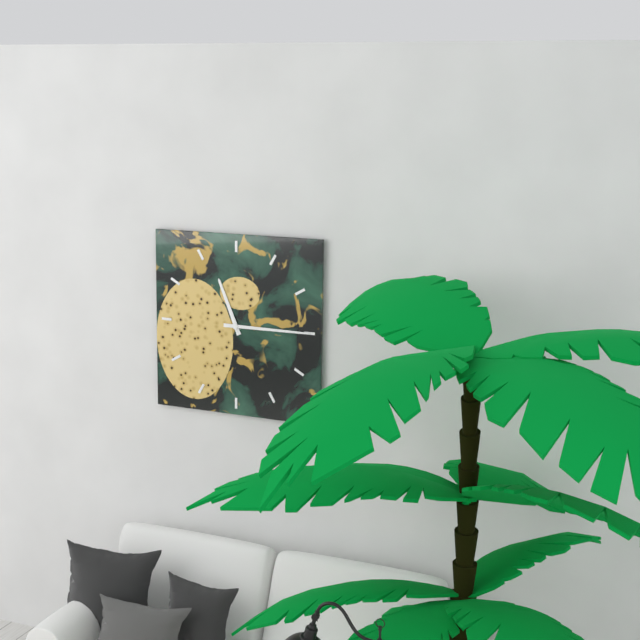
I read {"hour": 11, "minute": 15}
